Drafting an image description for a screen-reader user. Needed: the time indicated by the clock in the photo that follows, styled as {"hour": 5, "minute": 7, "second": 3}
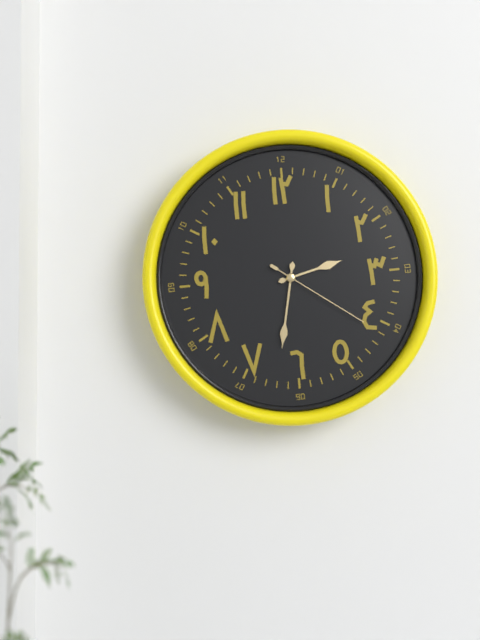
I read {"hour": 2, "minute": 32, "second": 21}
